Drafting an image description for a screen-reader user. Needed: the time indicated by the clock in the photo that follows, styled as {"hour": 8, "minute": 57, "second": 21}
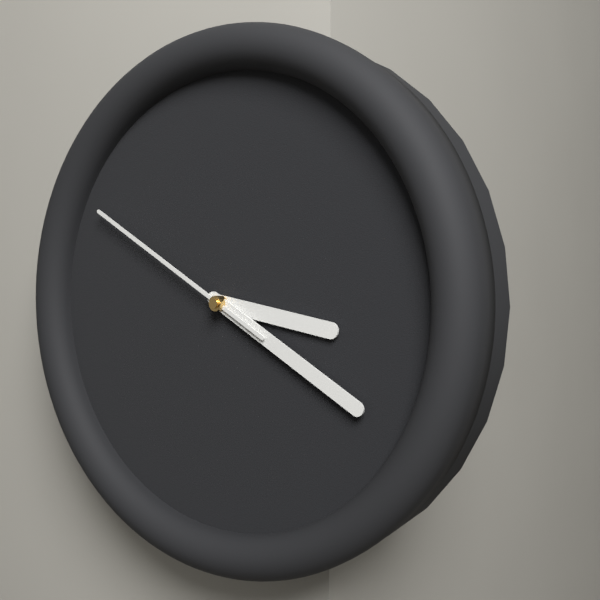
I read {"hour": 3, "minute": 20, "second": 50}
